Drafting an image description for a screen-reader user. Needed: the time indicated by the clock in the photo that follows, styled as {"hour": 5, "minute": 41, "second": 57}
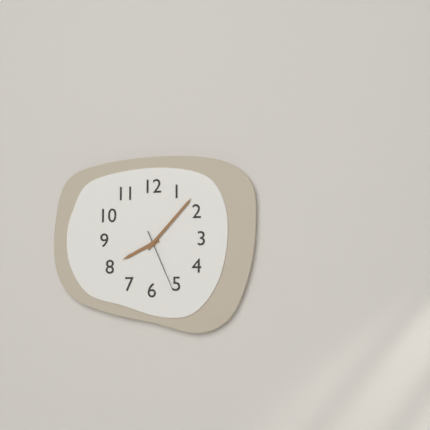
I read {"hour": 8, "minute": 7, "second": 26}
